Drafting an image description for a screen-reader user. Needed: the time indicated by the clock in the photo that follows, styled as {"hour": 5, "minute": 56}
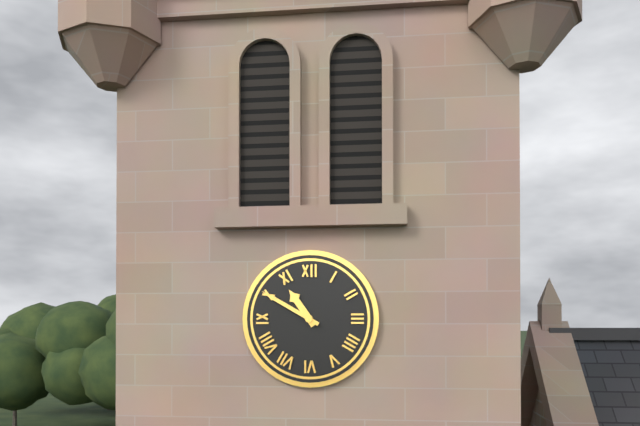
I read {"hour": 10, "minute": 50}
